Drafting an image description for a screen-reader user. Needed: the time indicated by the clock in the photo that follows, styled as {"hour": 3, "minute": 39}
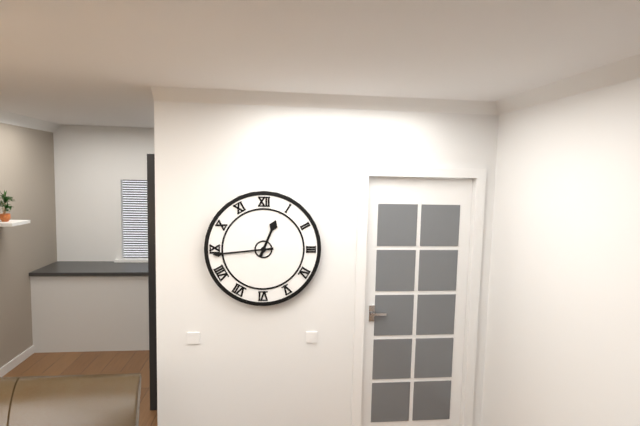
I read {"hour": 12, "minute": 44}
